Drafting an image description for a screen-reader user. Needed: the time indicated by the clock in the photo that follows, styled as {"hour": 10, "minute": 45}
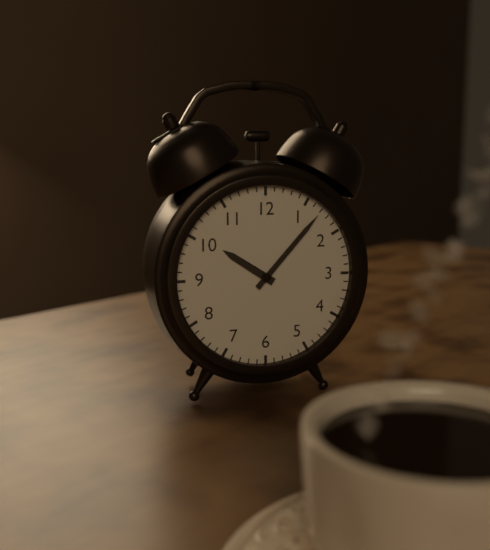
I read {"hour": 10, "minute": 7}
